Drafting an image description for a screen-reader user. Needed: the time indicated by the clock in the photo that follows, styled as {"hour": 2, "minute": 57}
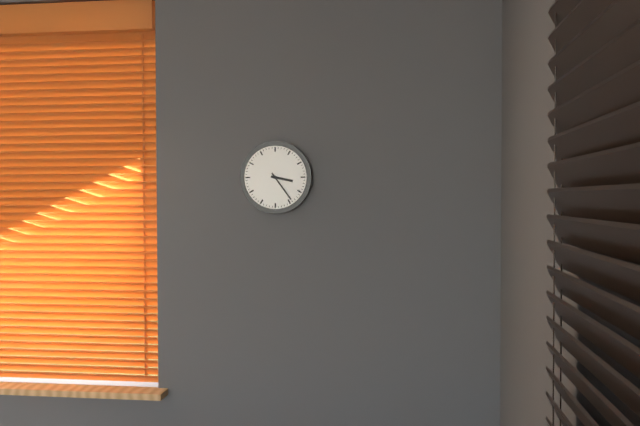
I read {"hour": 3, "minute": 24}
